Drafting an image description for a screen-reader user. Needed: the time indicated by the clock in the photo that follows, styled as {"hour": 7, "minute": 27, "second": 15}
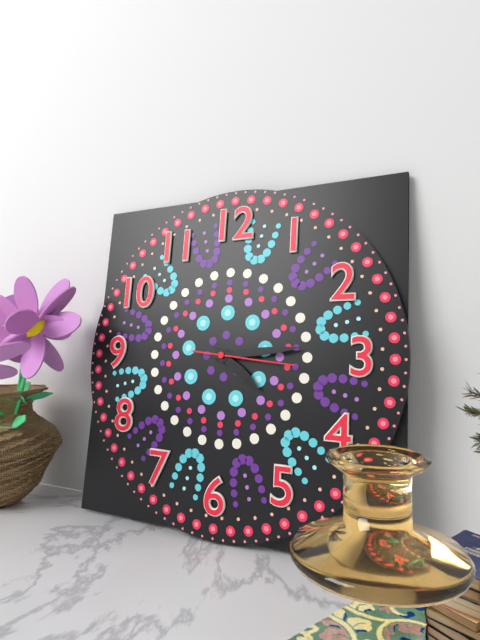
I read {"hour": 4, "minute": 14, "second": 16}
